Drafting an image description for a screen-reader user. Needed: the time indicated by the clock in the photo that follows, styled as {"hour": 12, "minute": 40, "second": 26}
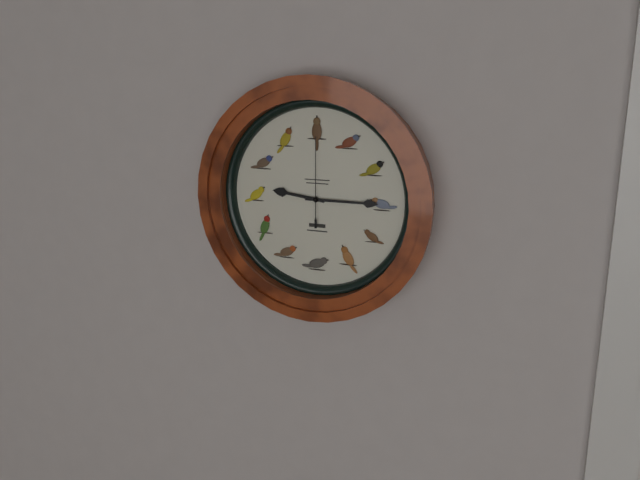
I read {"hour": 9, "minute": 15, "second": 0}
